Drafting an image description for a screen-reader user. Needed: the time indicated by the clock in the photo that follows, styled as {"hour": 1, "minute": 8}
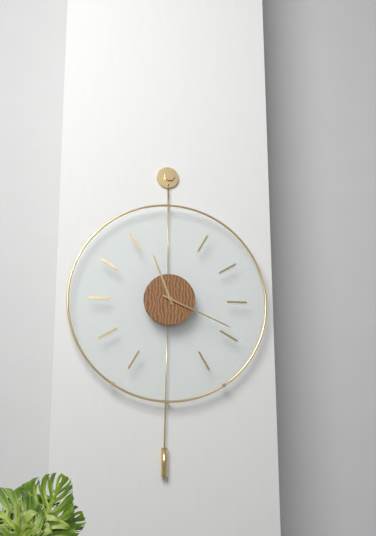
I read {"hour": 11, "minute": 19}
